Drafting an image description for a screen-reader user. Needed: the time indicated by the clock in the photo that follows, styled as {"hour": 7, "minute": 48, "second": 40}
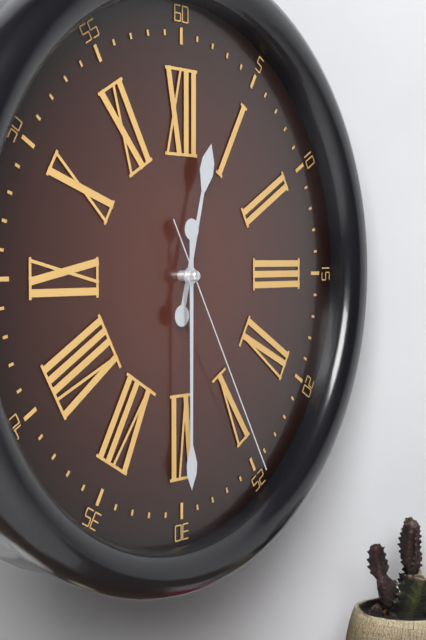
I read {"hour": 12, "minute": 30, "second": 25}
